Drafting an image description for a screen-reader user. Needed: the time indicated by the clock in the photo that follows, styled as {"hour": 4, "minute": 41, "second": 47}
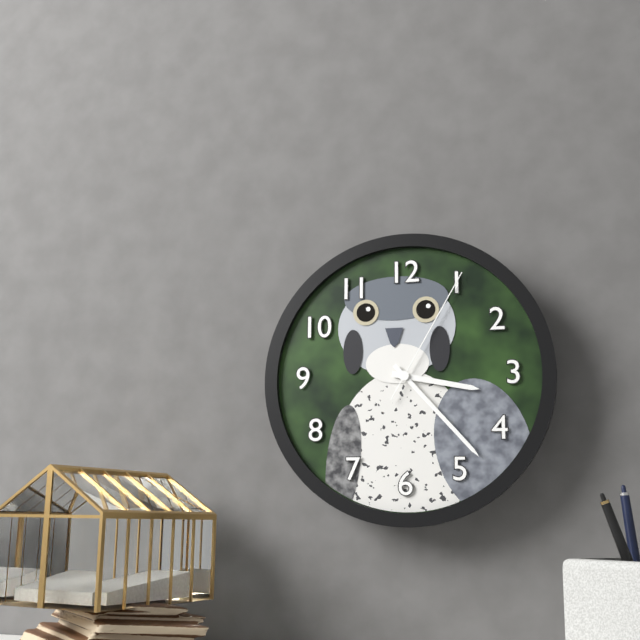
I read {"hour": 3, "minute": 23, "second": 5}
